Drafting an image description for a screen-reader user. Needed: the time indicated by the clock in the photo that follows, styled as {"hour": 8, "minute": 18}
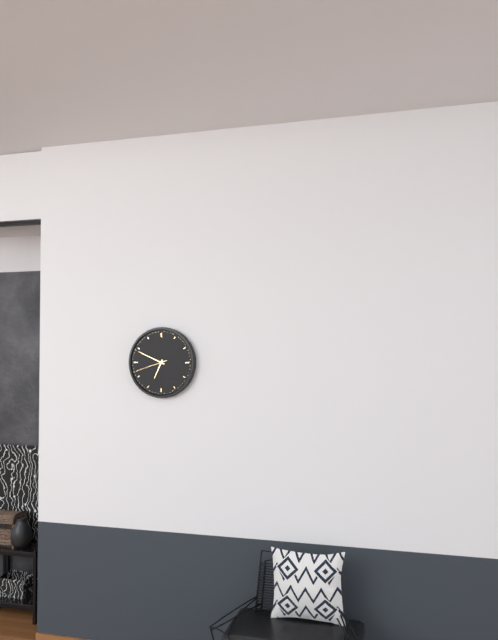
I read {"hour": 6, "minute": 49}
